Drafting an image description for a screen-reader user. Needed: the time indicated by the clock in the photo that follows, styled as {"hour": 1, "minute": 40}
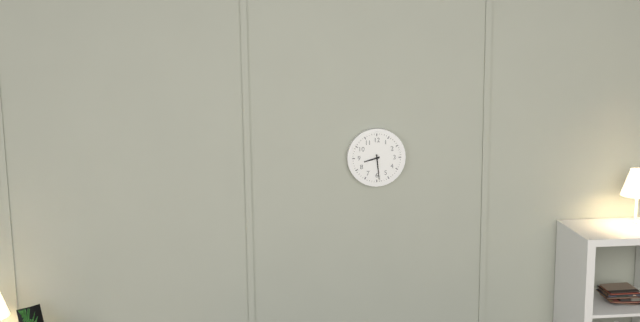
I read {"hour": 8, "minute": 29}
